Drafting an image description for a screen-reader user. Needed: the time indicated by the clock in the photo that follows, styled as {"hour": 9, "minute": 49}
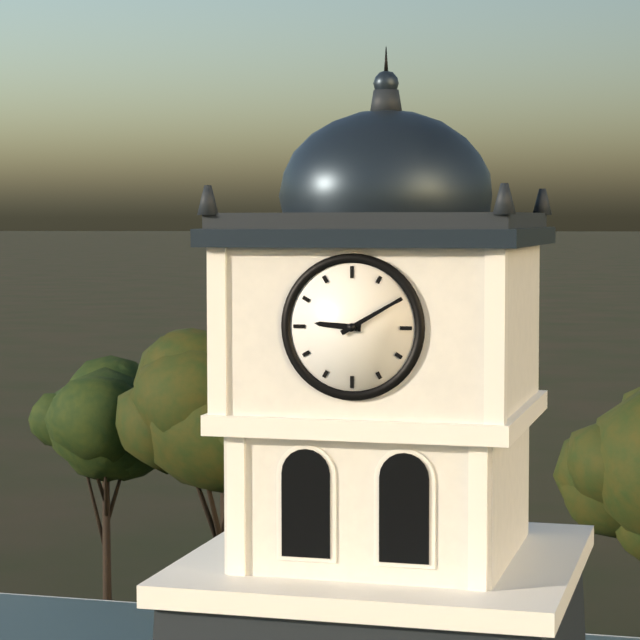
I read {"hour": 9, "minute": 10}
